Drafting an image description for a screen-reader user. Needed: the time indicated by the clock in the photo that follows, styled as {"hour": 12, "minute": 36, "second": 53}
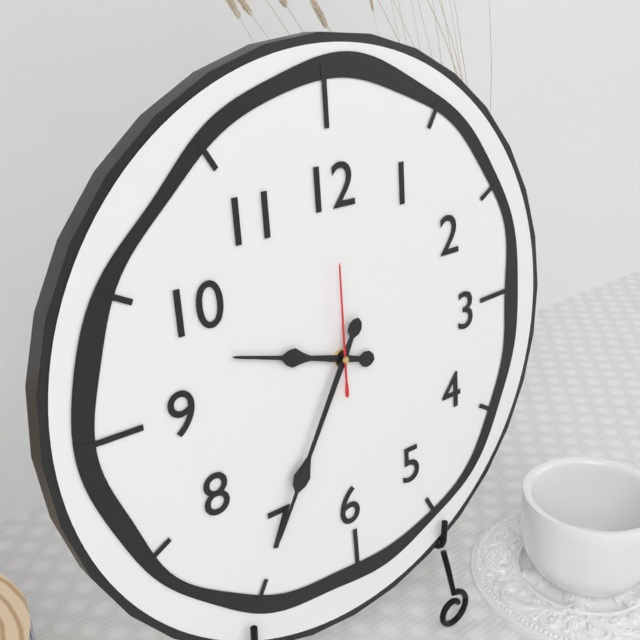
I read {"hour": 9, "minute": 35, "second": 0}
